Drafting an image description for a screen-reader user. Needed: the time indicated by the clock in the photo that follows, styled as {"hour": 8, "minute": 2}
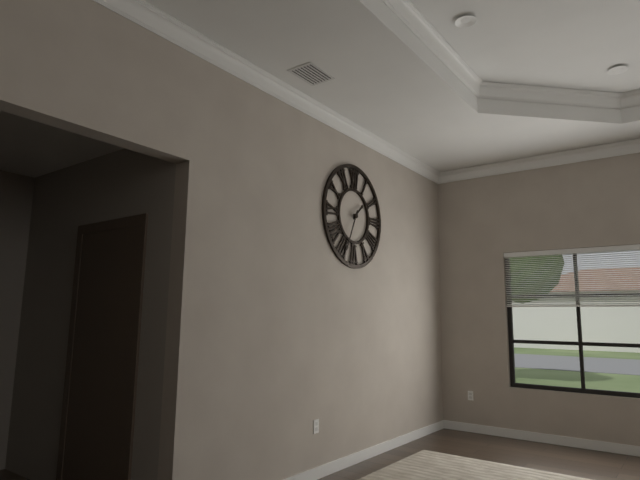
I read {"hour": 1, "minute": 34}
